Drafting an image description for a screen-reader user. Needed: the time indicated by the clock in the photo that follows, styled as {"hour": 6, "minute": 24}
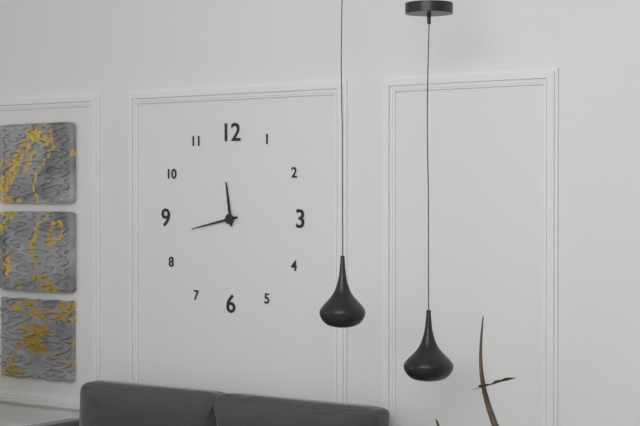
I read {"hour": 11, "minute": 43}
